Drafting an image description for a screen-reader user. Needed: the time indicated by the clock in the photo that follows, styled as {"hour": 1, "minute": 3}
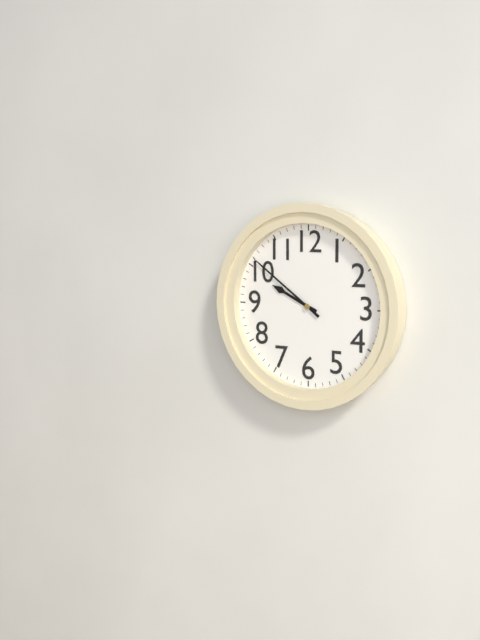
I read {"hour": 9, "minute": 51}
